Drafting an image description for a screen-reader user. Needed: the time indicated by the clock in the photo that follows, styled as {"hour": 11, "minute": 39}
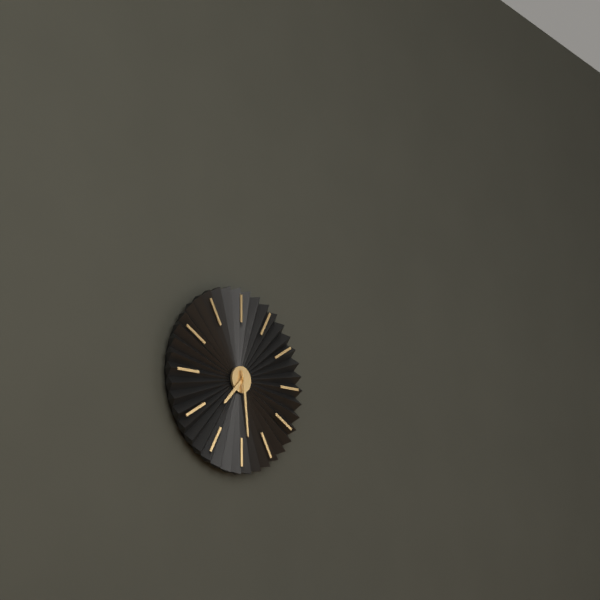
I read {"hour": 7, "minute": 29}
